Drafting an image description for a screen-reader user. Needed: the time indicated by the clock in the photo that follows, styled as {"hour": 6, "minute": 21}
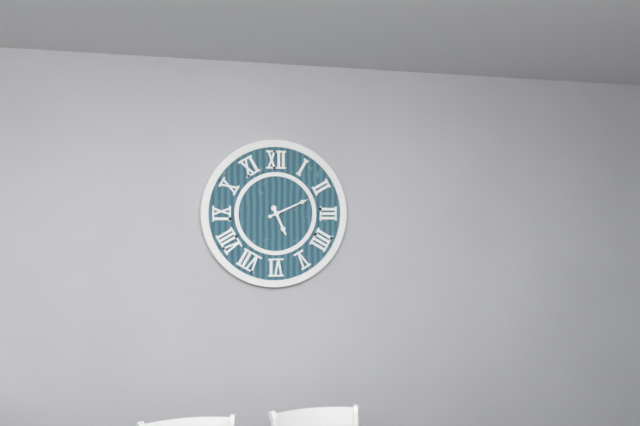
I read {"hour": 5, "minute": 11}
